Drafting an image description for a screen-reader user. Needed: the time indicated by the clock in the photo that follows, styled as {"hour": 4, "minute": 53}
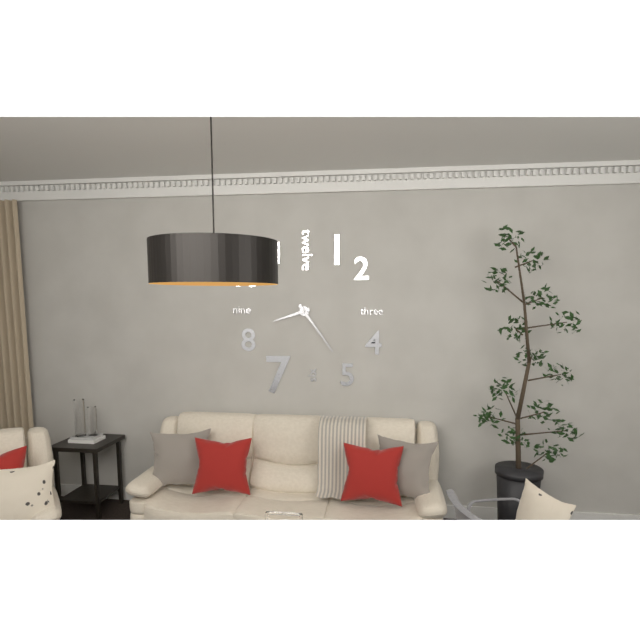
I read {"hour": 8, "minute": 24}
